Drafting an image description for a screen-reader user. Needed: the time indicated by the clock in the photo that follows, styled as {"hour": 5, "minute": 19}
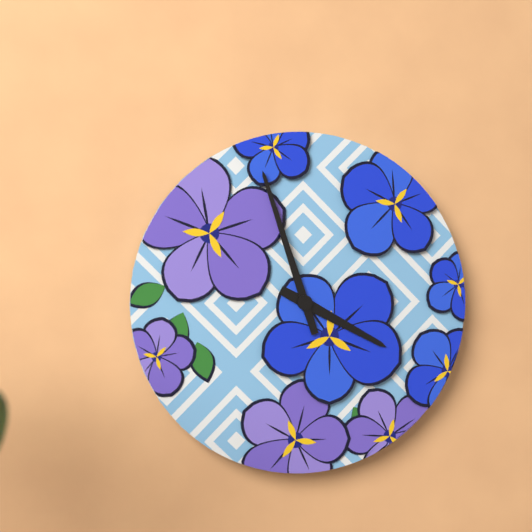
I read {"hour": 3, "minute": 57}
